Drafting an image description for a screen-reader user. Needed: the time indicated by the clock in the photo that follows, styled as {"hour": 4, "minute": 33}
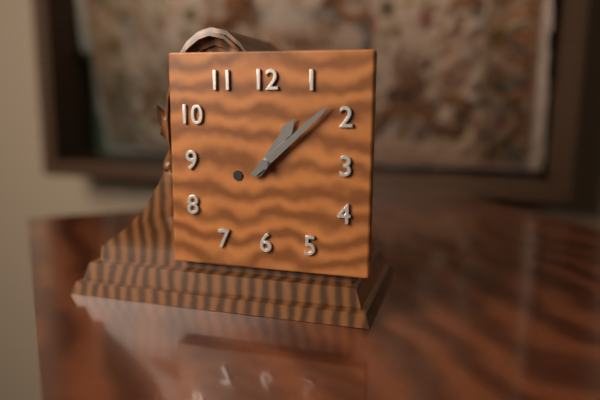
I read {"hour": 1, "minute": 8}
